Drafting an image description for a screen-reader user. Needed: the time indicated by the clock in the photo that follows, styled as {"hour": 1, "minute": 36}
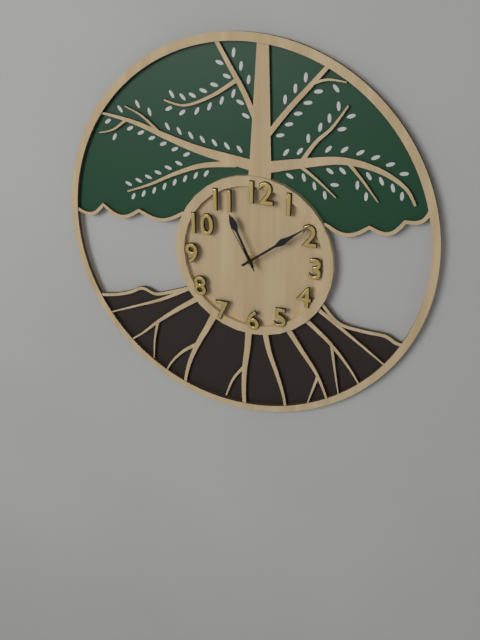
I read {"hour": 11, "minute": 9}
